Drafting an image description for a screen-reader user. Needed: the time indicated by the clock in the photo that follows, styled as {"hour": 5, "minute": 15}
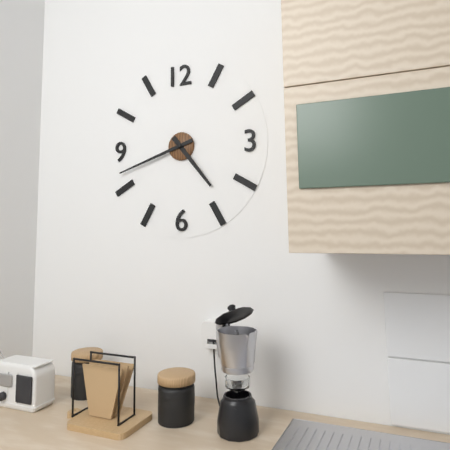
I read {"hour": 4, "minute": 42}
